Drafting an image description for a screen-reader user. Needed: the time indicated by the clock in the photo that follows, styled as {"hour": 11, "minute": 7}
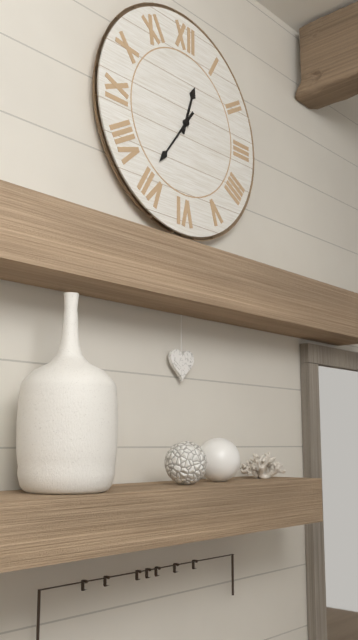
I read {"hour": 12, "minute": 36}
